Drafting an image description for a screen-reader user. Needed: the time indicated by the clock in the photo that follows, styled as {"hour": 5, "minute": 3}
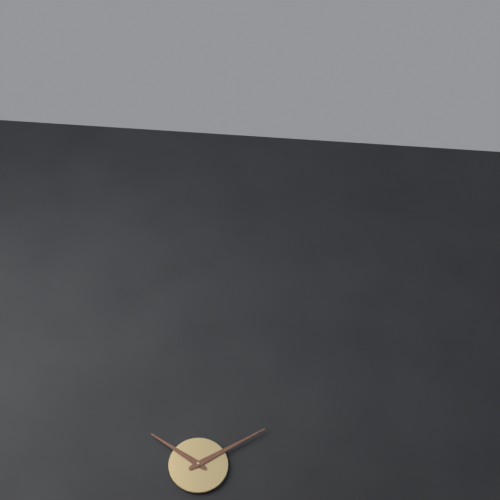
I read {"hour": 10, "minute": 10}
